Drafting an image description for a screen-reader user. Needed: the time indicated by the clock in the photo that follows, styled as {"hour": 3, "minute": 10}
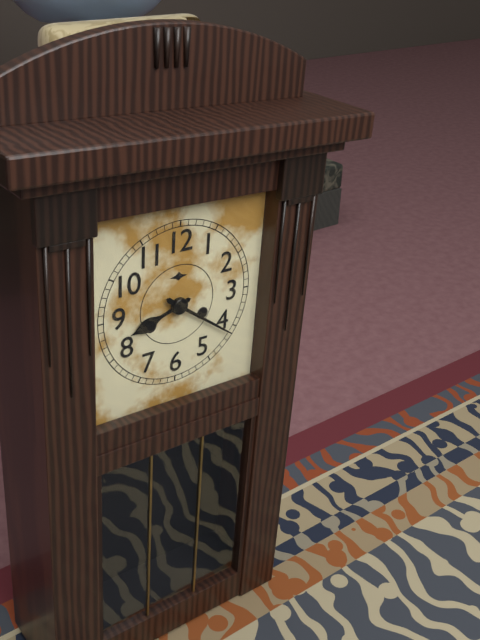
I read {"hour": 8, "minute": 21}
